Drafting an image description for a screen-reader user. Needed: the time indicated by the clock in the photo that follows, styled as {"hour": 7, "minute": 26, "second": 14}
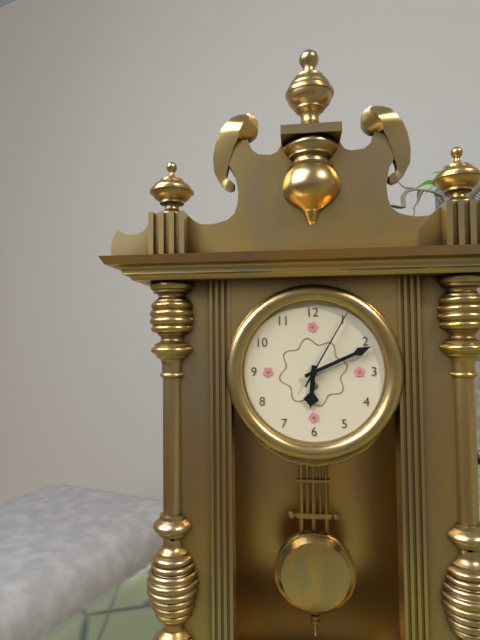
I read {"hour": 6, "minute": 11, "second": 5}
